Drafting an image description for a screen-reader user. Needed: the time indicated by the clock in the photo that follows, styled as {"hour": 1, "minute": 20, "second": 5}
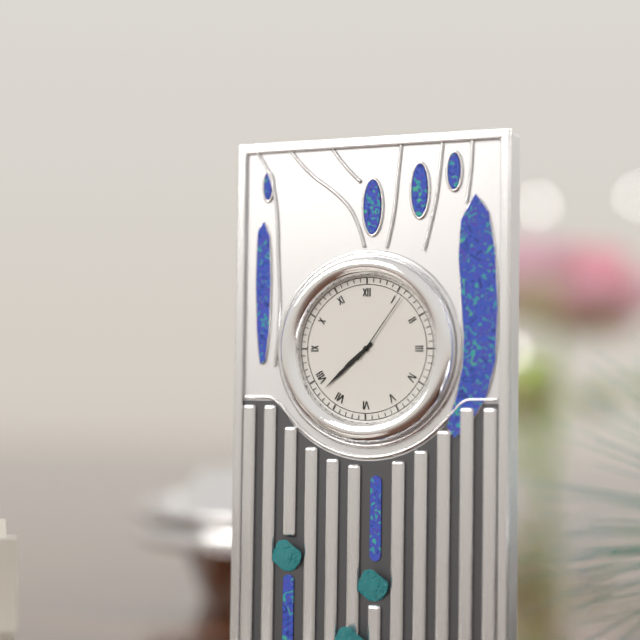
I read {"hour": 7, "minute": 38, "second": 6}
